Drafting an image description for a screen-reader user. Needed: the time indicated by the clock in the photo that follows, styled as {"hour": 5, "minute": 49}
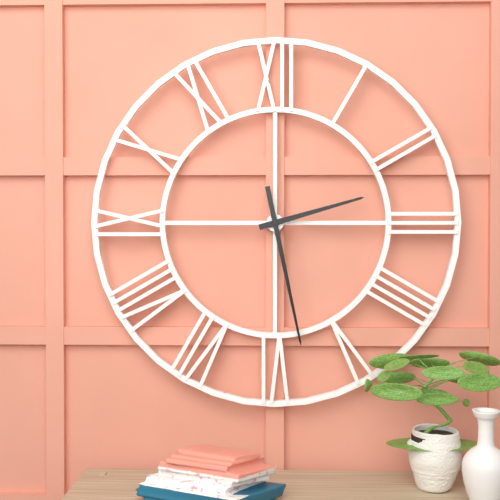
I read {"hour": 2, "minute": 28}
